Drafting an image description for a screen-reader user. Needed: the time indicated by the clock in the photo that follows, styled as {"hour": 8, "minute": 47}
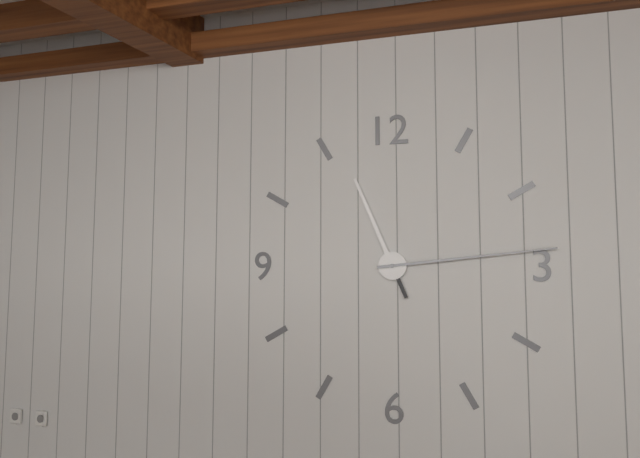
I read {"hour": 11, "minute": 14}
